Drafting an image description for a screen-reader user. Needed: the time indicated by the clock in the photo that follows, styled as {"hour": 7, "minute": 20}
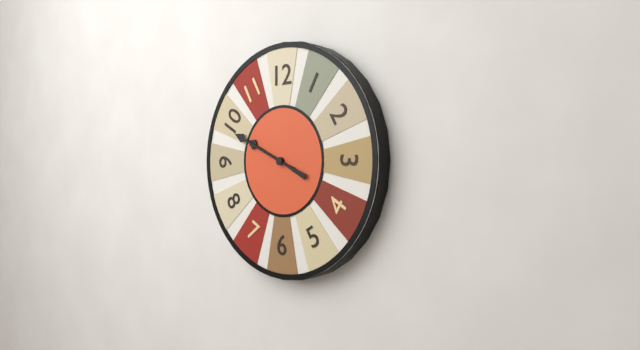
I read {"hour": 9, "minute": 49}
